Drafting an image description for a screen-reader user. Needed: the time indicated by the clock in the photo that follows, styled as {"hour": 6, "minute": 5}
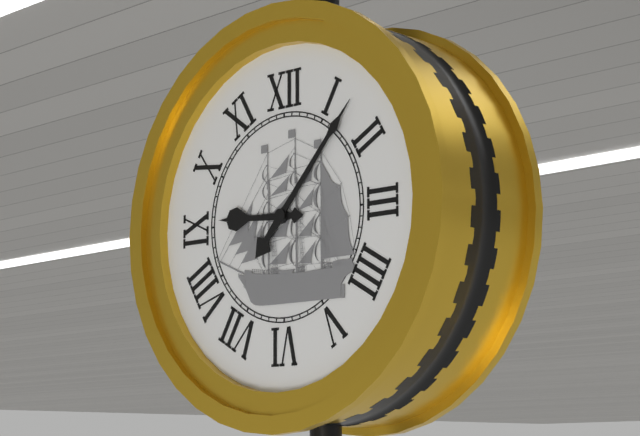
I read {"hour": 9, "minute": 7}
